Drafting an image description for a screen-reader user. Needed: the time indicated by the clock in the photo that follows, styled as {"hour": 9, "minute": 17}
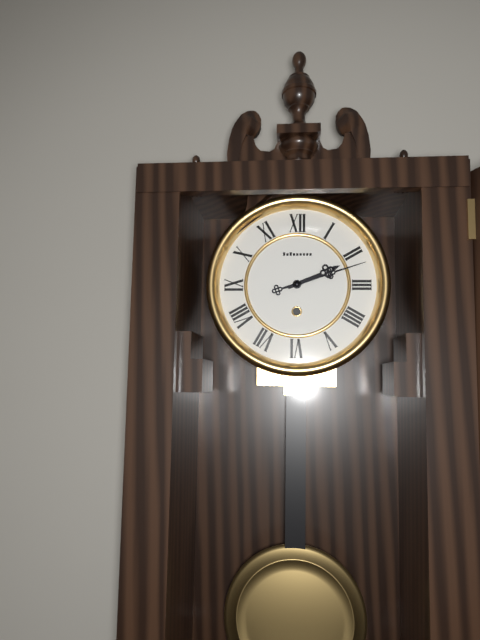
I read {"hour": 2, "minute": 12}
